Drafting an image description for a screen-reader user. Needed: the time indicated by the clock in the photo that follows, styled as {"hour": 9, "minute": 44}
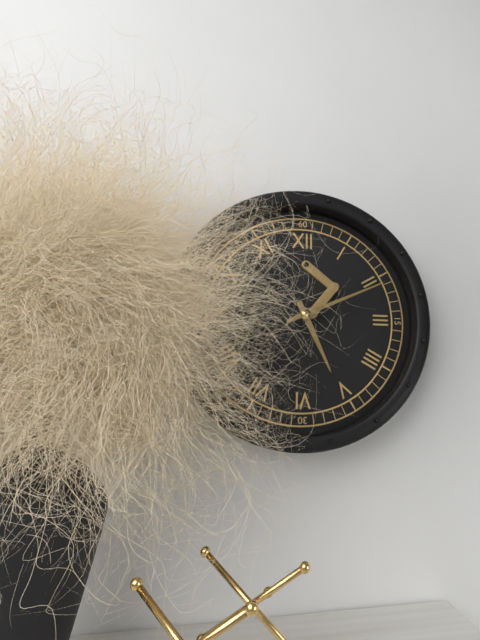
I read {"hour": 5, "minute": 11}
